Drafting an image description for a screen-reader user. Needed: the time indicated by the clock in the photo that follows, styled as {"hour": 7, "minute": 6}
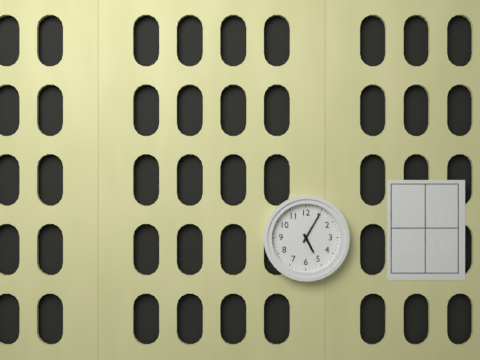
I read {"hour": 5, "minute": 5}
